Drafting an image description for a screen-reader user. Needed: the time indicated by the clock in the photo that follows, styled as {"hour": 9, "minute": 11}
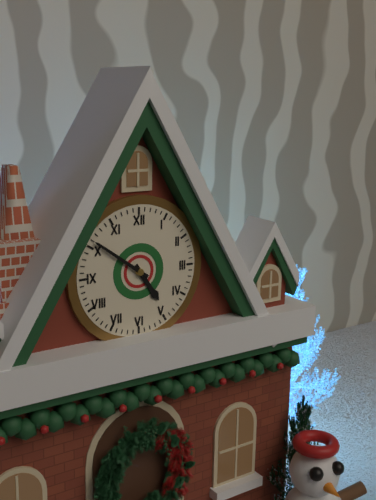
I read {"hour": 4, "minute": 51}
